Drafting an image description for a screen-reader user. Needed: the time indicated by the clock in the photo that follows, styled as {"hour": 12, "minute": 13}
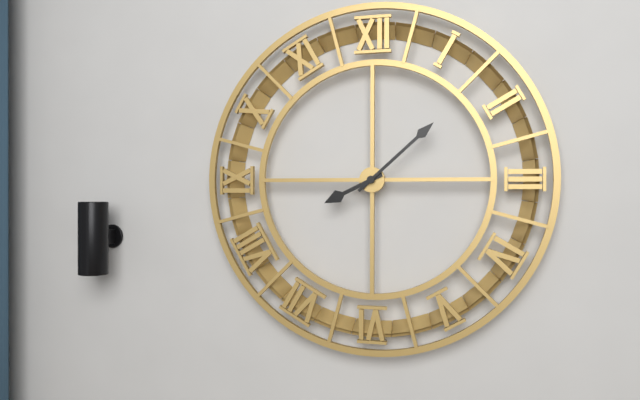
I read {"hour": 8, "minute": 8}
